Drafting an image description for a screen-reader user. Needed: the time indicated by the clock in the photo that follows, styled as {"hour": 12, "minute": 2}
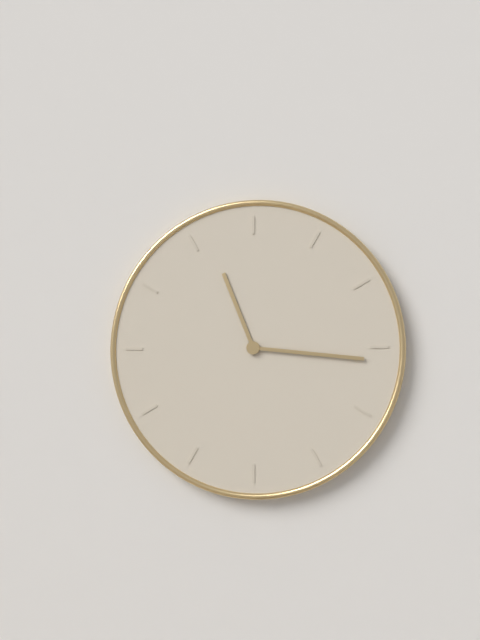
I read {"hour": 11, "minute": 16}
